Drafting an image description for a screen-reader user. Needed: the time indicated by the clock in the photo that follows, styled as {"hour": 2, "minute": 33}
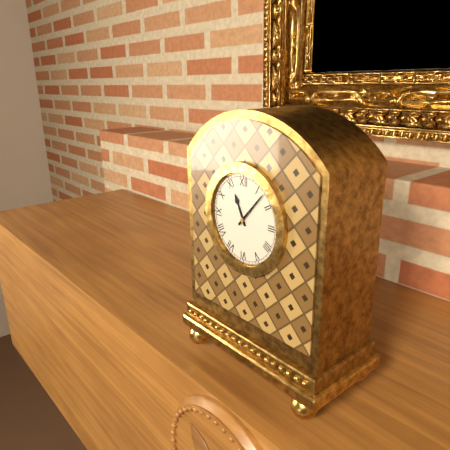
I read {"hour": 11, "minute": 7}
